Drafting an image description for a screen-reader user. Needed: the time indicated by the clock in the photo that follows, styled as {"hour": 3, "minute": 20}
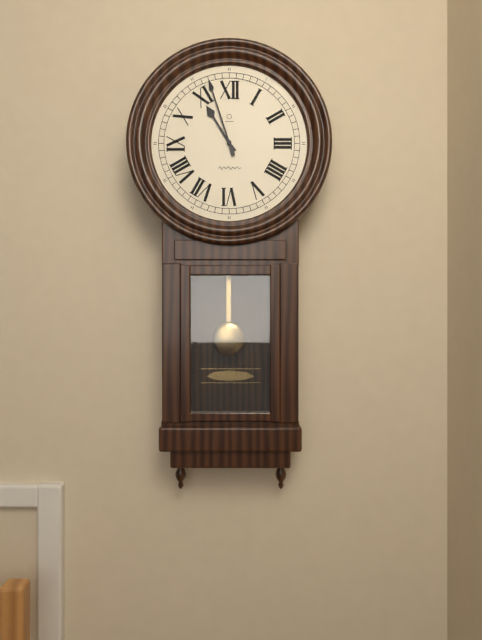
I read {"hour": 10, "minute": 57}
